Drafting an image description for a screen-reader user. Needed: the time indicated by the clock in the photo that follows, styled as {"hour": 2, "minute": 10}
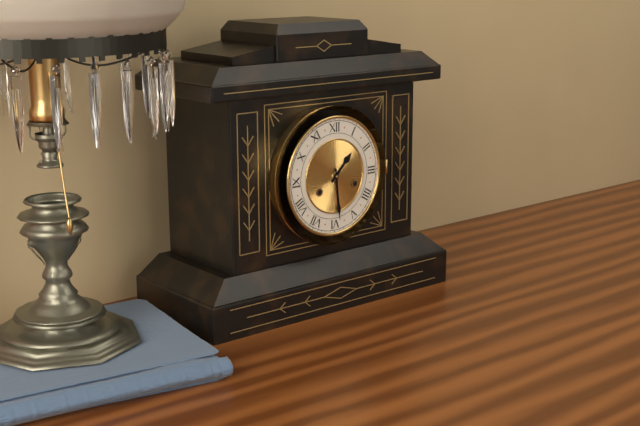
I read {"hour": 1, "minute": 29}
